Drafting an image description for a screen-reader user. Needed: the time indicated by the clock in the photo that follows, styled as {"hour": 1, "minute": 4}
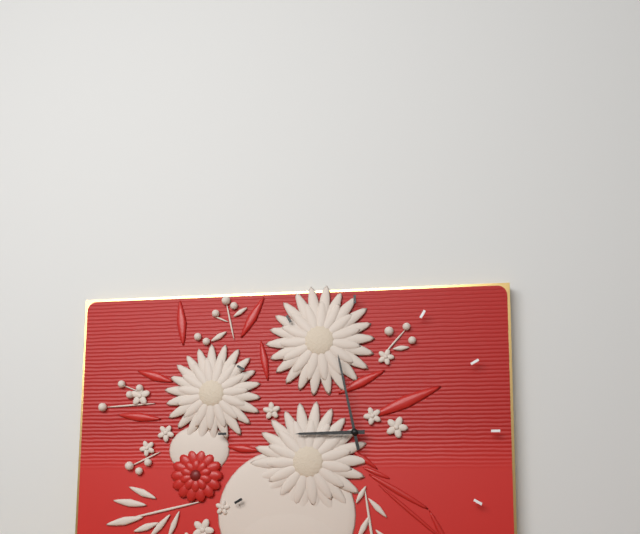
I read {"hour": 8, "minute": 58}
